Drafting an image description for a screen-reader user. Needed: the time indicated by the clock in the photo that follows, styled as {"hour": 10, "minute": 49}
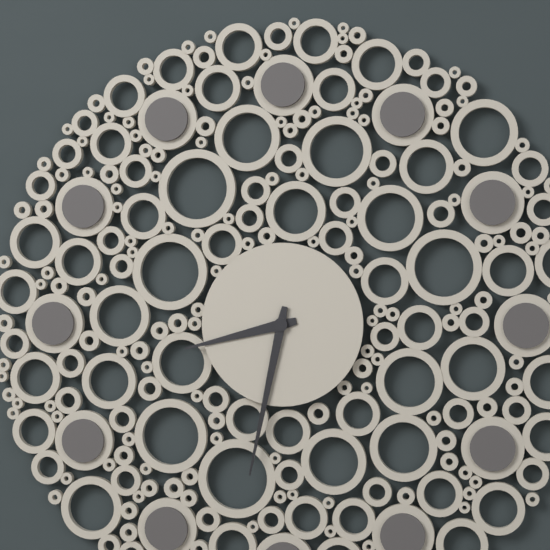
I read {"hour": 8, "minute": 32}
